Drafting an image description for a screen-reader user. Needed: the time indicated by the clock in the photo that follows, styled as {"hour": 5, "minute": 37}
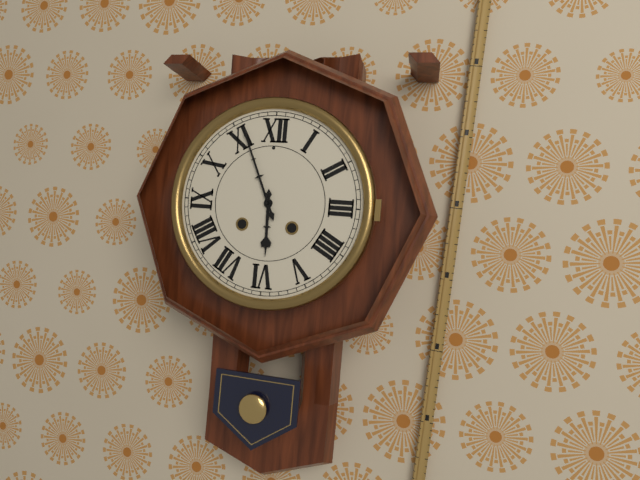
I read {"hour": 5, "minute": 56}
